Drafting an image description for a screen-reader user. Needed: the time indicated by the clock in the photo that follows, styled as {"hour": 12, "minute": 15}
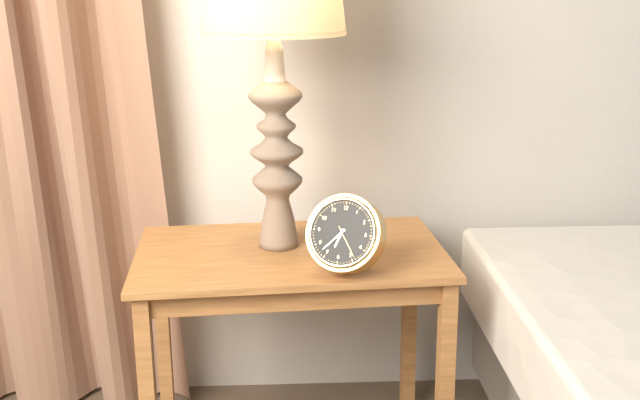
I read {"hour": 6, "minute": 37}
